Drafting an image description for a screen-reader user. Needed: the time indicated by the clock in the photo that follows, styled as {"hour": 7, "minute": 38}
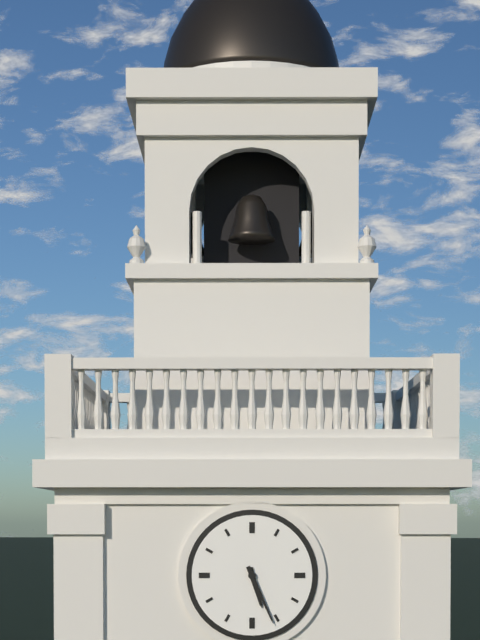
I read {"hour": 5, "minute": 26}
